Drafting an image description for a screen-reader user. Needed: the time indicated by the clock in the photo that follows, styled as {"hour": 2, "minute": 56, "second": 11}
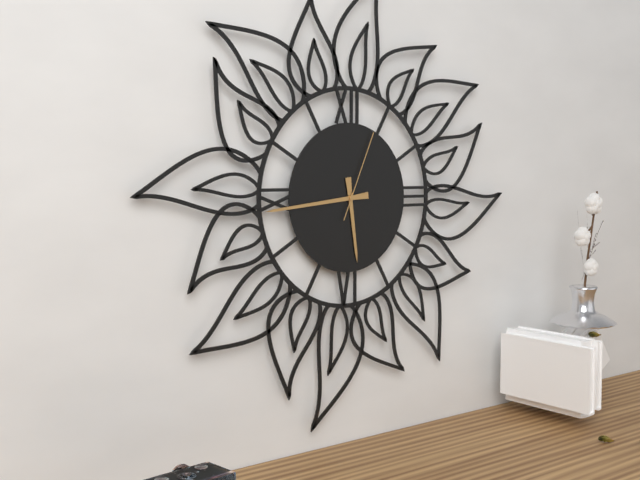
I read {"hour": 5, "minute": 44, "second": 4}
